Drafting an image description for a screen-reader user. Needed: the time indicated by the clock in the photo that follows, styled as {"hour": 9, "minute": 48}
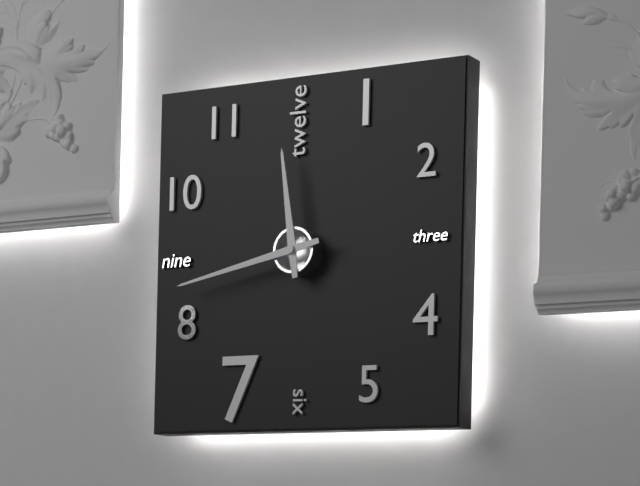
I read {"hour": 11, "minute": 43}
